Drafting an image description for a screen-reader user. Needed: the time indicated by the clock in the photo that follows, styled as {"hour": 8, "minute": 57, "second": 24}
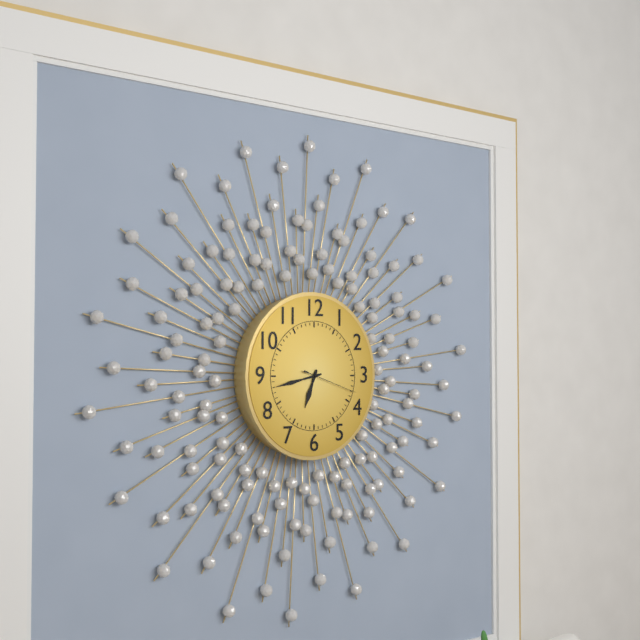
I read {"hour": 6, "minute": 43, "second": 18}
